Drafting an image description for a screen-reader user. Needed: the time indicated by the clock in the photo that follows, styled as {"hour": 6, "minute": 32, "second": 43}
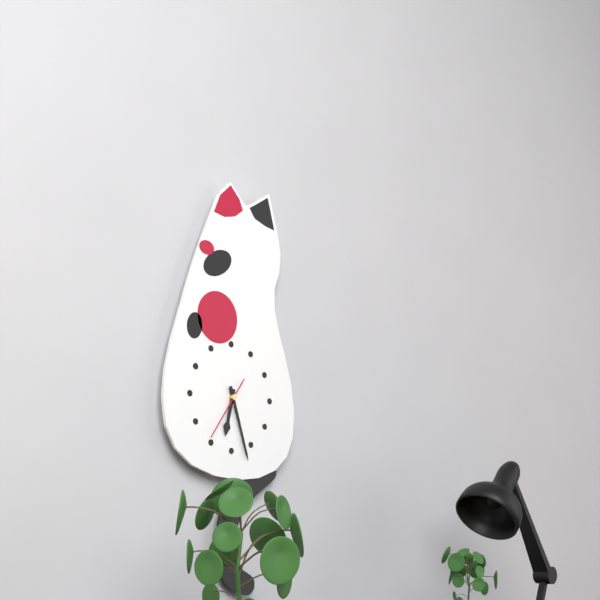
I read {"hour": 6, "minute": 27, "second": 36}
